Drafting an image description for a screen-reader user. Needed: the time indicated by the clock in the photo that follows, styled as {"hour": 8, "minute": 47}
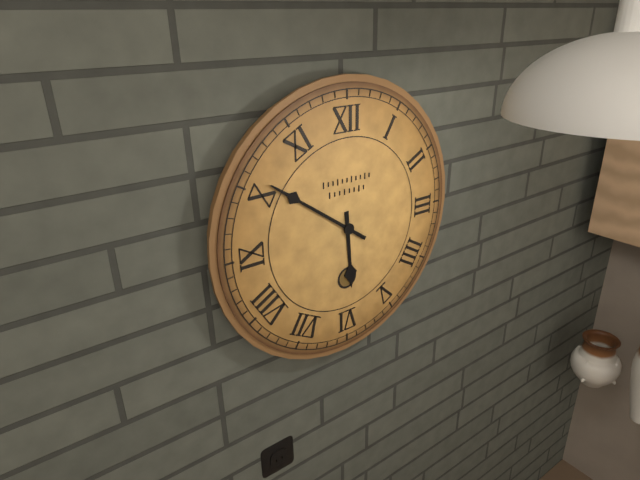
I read {"hour": 5, "minute": 51}
